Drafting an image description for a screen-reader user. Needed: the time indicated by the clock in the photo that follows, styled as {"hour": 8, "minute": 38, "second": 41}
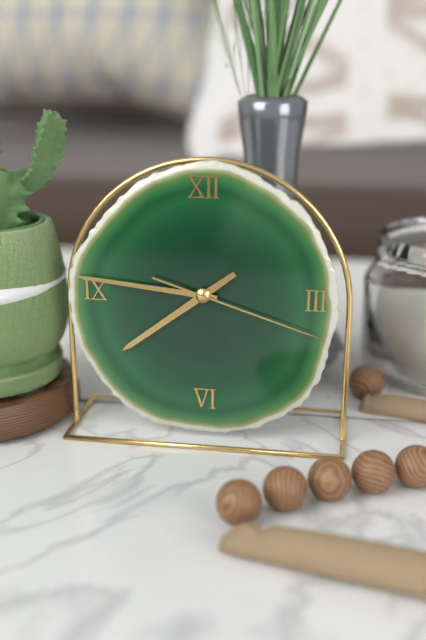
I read {"hour": 7, "minute": 46, "second": 18}
